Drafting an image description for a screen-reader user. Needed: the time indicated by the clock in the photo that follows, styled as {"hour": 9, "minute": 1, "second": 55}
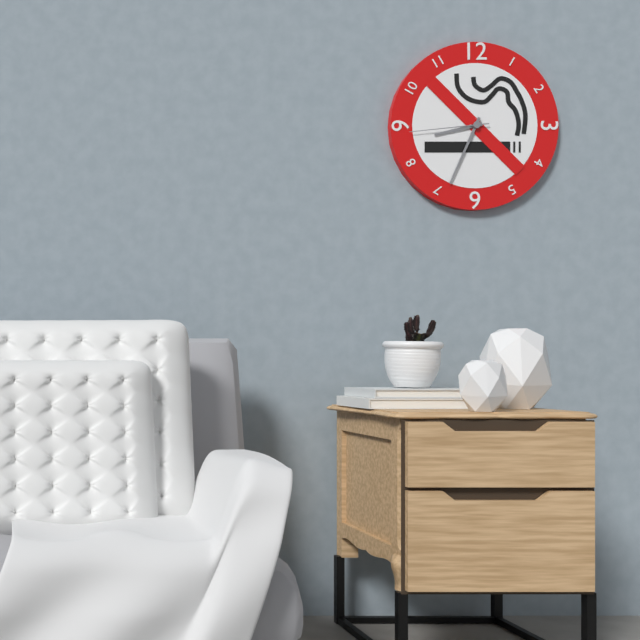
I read {"hour": 8, "minute": 34, "second": 44}
